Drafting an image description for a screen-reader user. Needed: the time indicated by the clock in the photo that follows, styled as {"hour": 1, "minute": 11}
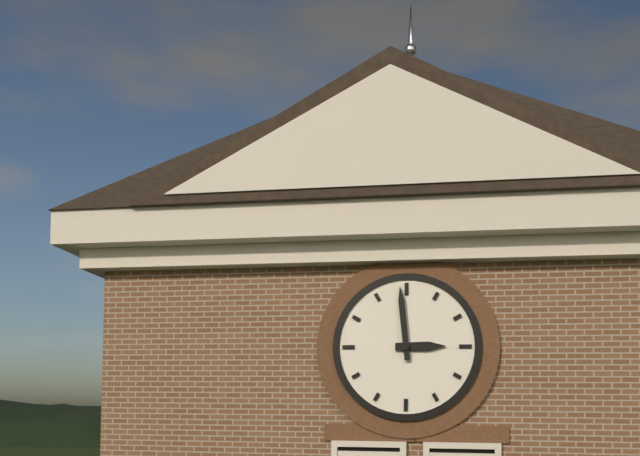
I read {"hour": 2, "minute": 59}
